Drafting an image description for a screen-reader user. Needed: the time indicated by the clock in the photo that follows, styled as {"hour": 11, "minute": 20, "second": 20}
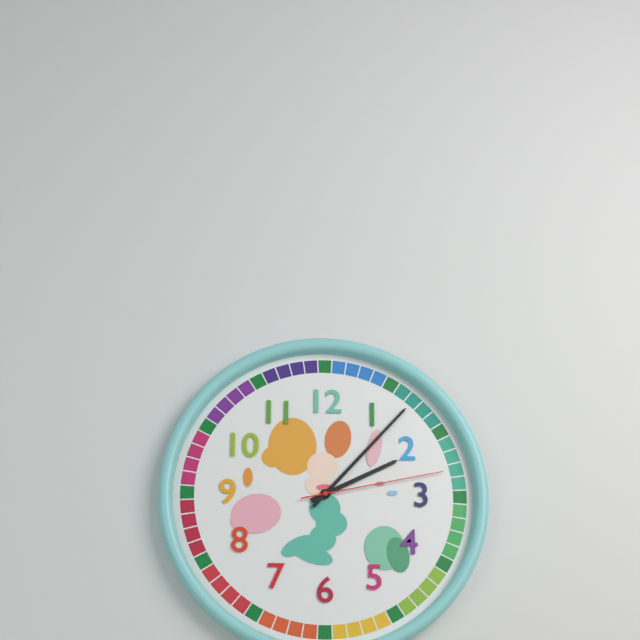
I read {"hour": 2, "minute": 7, "second": 13}
